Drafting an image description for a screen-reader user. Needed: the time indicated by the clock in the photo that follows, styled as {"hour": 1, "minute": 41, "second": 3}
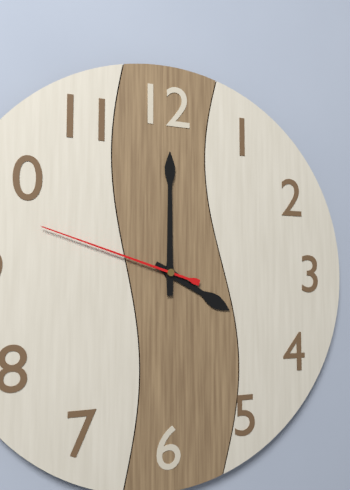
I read {"hour": 4, "minute": 0, "second": 48}
